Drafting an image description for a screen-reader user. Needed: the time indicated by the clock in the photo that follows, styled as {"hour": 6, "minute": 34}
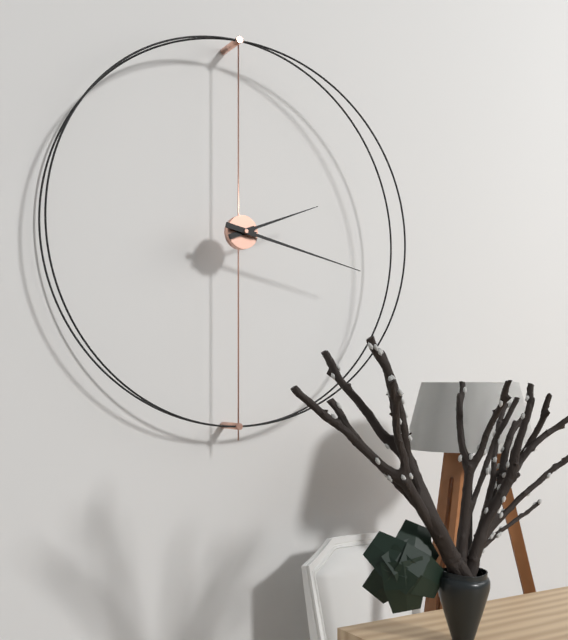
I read {"hour": 2, "minute": 17}
